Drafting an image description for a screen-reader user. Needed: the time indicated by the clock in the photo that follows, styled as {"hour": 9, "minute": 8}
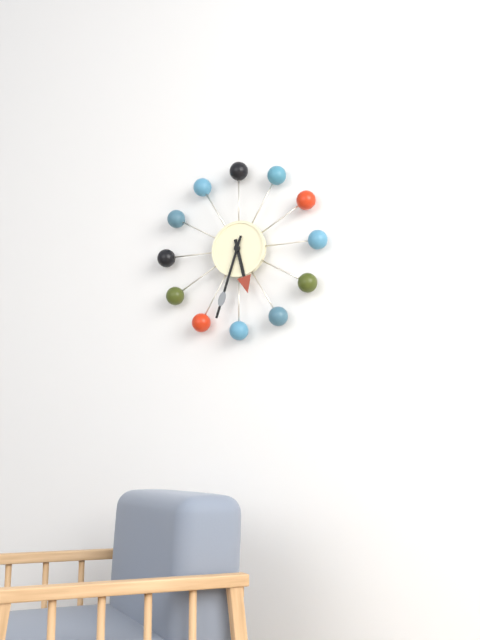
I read {"hour": 5, "minute": 33}
